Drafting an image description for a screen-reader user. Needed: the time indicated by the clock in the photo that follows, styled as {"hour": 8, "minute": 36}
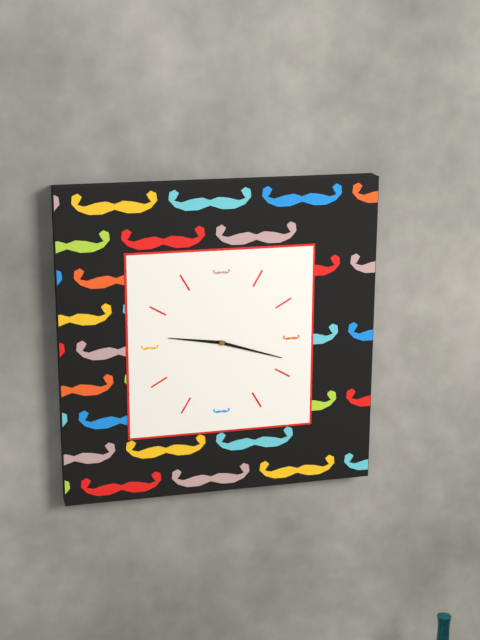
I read {"hour": 9, "minute": 18}
